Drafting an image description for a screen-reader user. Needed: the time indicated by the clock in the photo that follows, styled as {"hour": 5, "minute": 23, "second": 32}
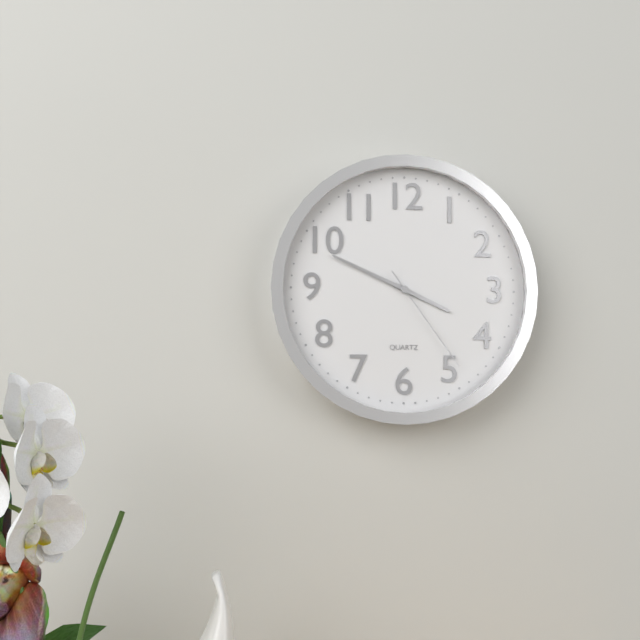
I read {"hour": 3, "minute": 49, "second": 24}
